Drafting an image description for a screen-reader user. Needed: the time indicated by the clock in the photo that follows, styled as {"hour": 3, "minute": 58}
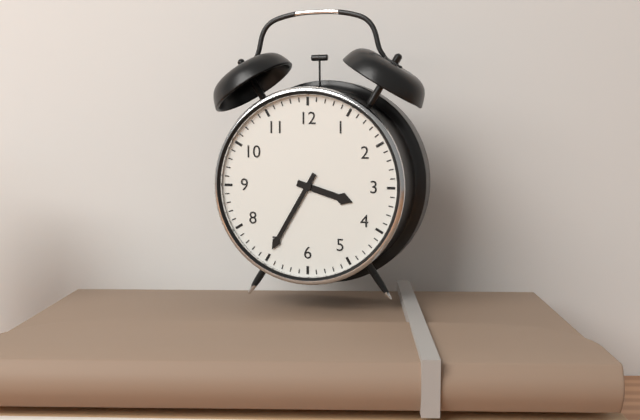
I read {"hour": 3, "minute": 35}
